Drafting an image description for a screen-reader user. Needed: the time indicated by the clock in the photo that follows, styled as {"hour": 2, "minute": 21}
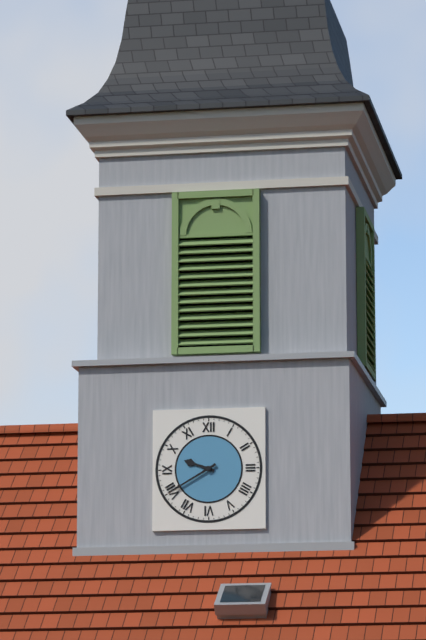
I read {"hour": 9, "minute": 40}
